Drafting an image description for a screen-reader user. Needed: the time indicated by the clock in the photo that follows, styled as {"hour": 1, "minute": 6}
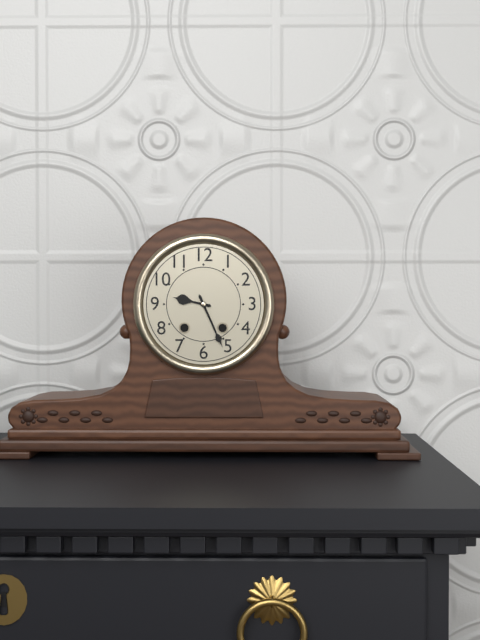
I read {"hour": 9, "minute": 26}
